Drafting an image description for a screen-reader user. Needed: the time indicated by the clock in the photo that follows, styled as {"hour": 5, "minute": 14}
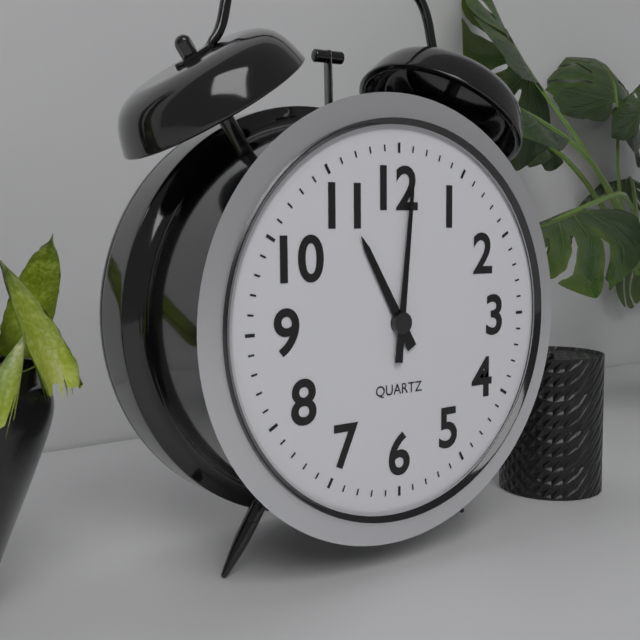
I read {"hour": 11, "minute": 1}
